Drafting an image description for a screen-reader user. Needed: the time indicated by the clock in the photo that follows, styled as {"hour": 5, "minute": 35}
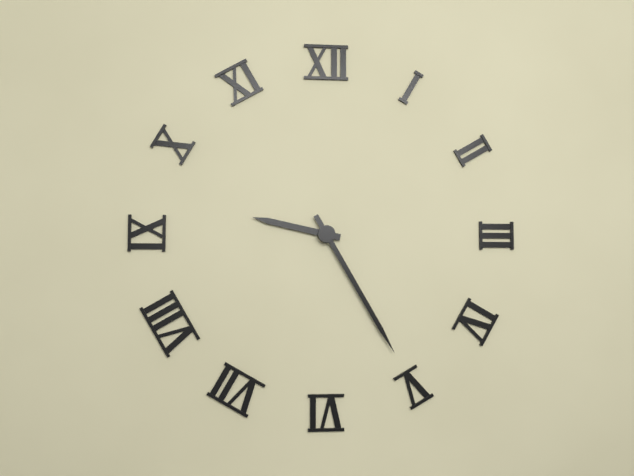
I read {"hour": 9, "minute": 25}
